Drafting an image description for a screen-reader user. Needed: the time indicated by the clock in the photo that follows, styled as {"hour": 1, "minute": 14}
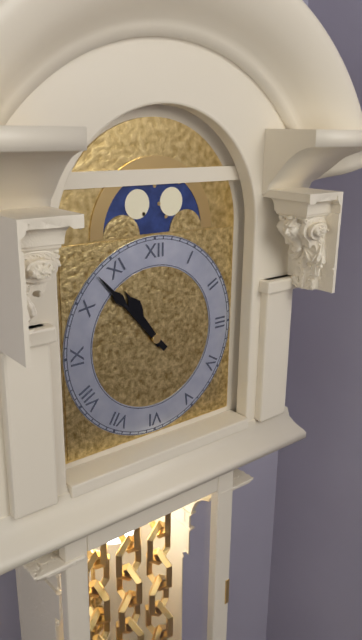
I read {"hour": 10, "minute": 53}
